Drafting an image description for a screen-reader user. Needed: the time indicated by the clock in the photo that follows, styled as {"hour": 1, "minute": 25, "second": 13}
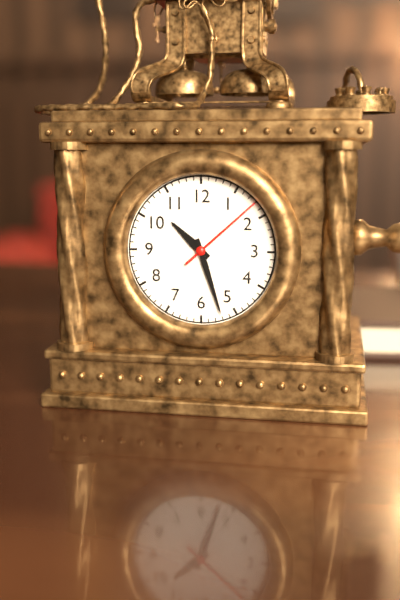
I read {"hour": 10, "minute": 27, "second": 8}
